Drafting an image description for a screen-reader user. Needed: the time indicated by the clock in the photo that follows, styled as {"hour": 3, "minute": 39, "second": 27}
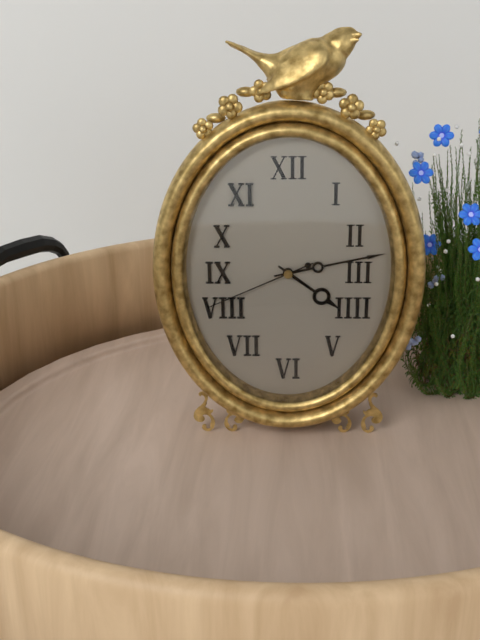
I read {"hour": 4, "minute": 13, "second": 41}
